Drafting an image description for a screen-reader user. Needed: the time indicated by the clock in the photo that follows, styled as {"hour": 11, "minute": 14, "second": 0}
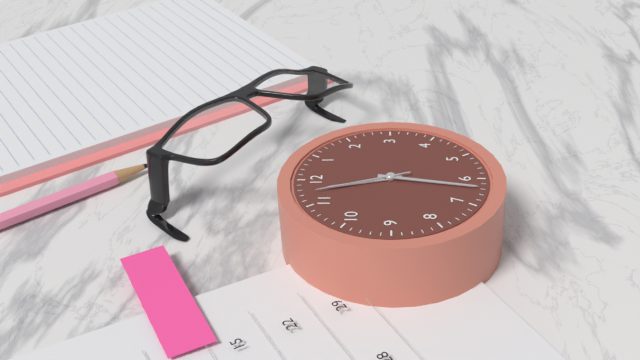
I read {"hour": 11, "minute": 32, "second": 57}
